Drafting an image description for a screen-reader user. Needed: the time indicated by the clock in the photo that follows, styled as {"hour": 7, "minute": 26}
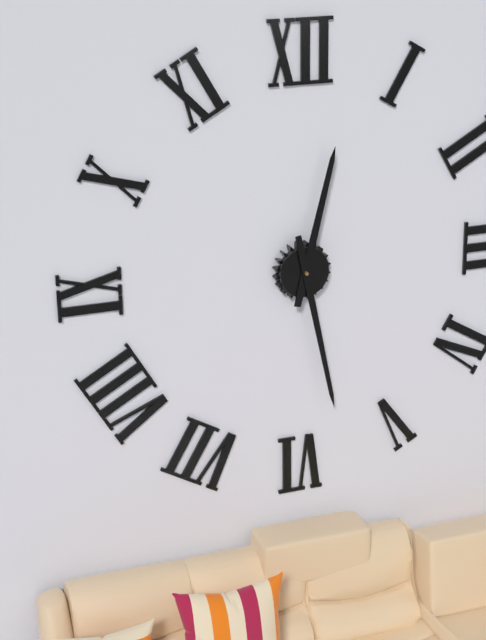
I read {"hour": 12, "minute": 28}
